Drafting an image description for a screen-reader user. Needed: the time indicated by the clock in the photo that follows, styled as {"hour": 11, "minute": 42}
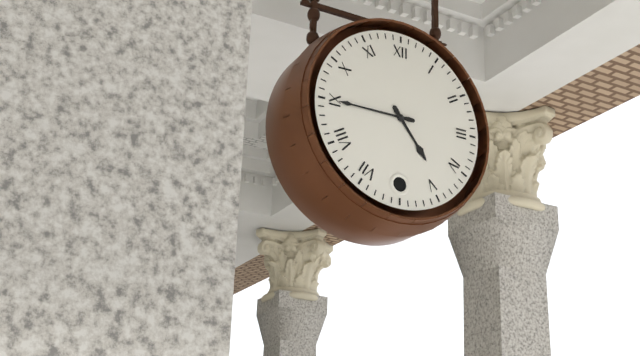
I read {"hour": 4, "minute": 45}
